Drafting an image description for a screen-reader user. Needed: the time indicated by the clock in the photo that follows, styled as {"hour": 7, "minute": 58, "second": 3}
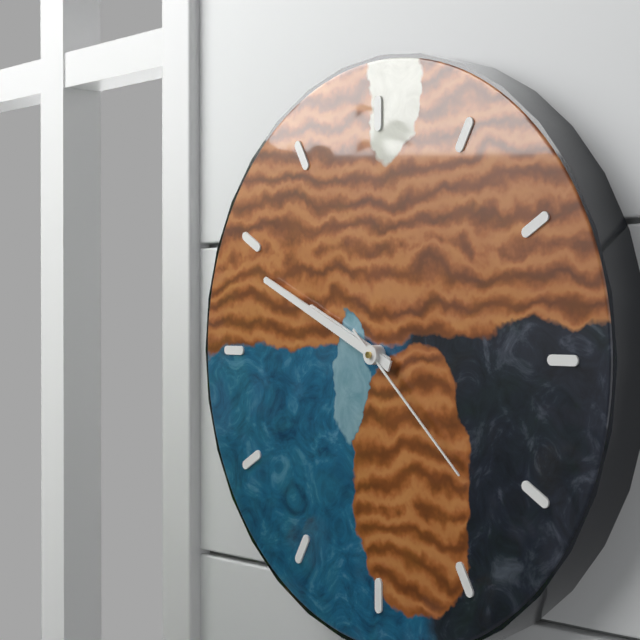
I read {"hour": 9, "minute": 49, "second": 22}
